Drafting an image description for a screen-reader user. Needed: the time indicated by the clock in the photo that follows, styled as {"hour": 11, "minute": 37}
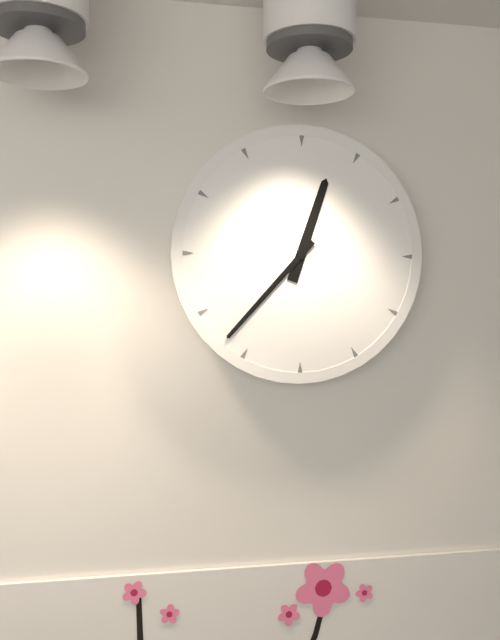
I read {"hour": 12, "minute": 37}
